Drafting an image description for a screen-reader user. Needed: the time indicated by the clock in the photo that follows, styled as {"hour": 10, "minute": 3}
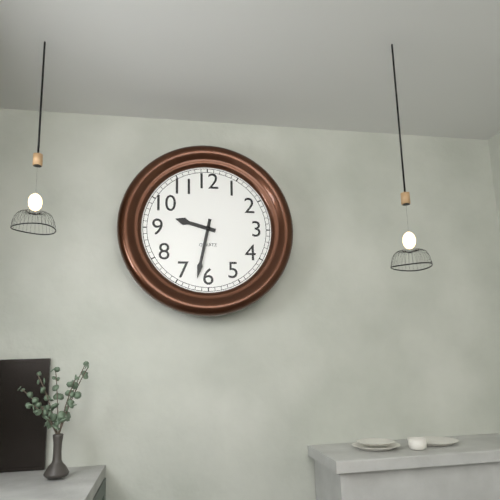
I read {"hour": 9, "minute": 32}
